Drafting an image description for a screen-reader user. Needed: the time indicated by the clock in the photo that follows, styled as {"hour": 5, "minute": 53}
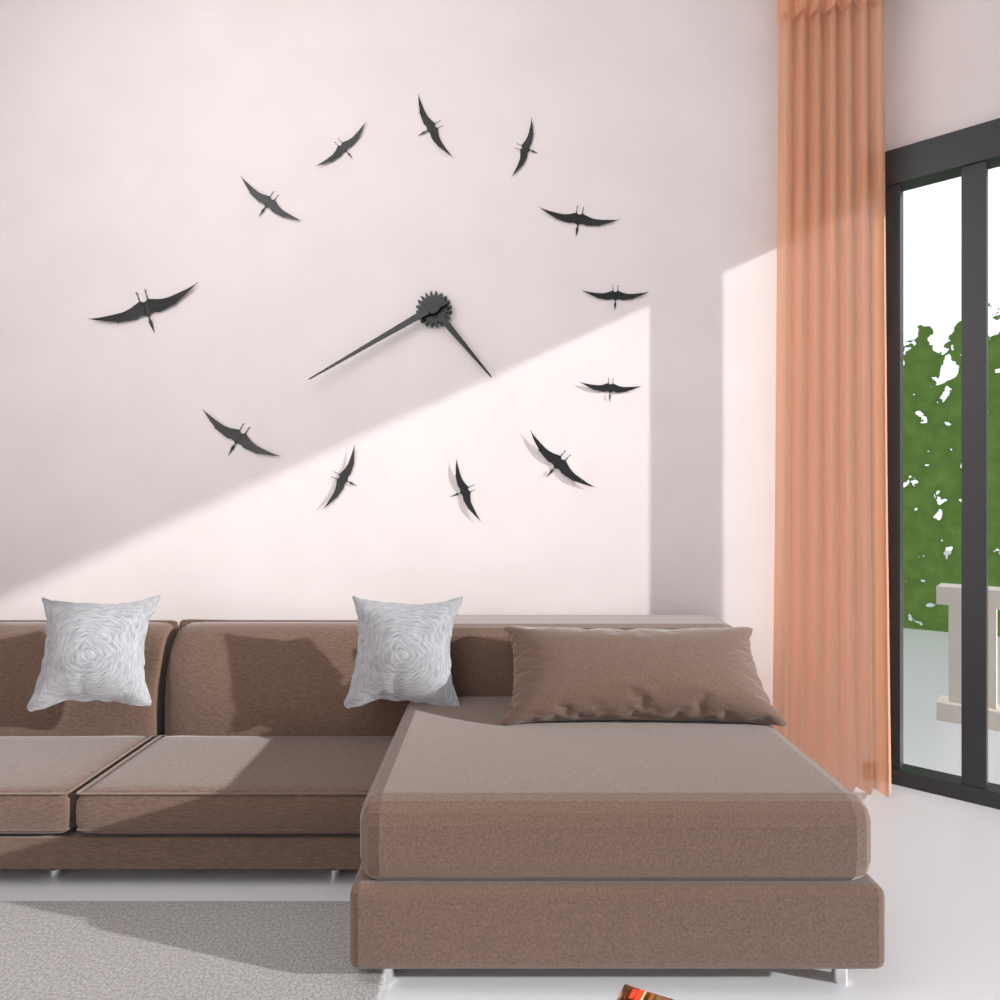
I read {"hour": 4, "minute": 40}
